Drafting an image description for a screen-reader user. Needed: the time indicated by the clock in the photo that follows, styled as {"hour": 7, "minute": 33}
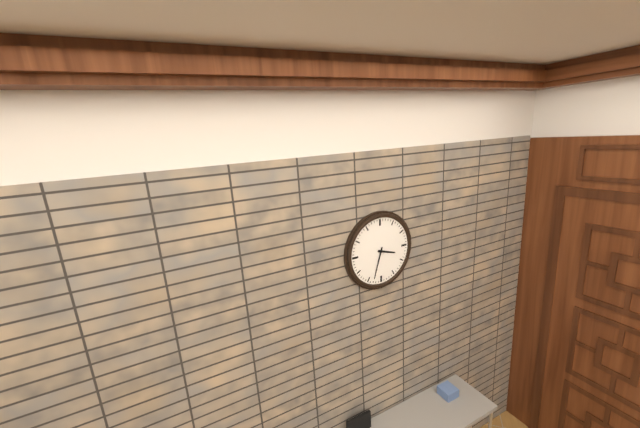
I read {"hour": 3, "minute": 33}
